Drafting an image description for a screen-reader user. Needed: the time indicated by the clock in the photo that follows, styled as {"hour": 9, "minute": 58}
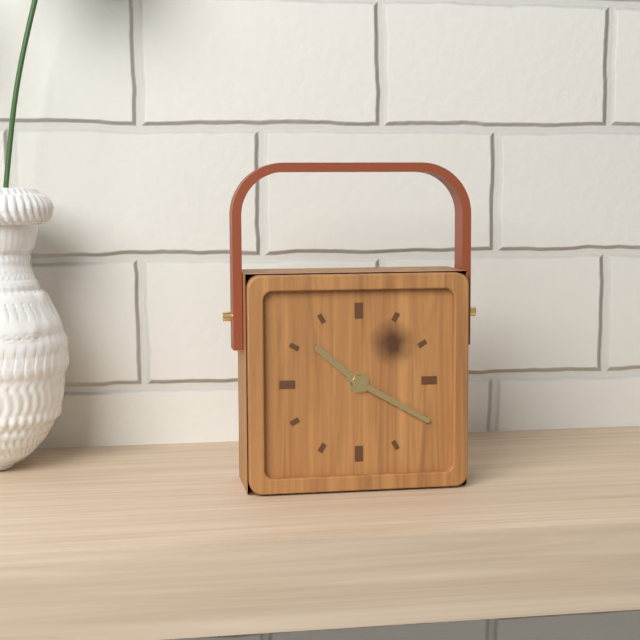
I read {"hour": 10, "minute": 20}
